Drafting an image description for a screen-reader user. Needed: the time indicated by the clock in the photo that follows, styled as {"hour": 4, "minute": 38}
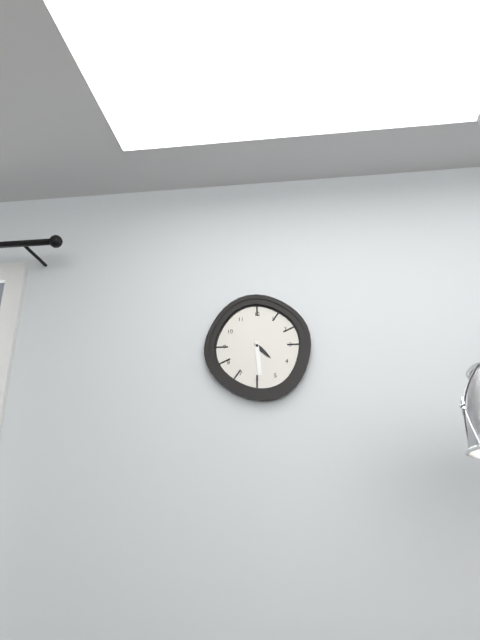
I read {"hour": 4, "minute": 29}
